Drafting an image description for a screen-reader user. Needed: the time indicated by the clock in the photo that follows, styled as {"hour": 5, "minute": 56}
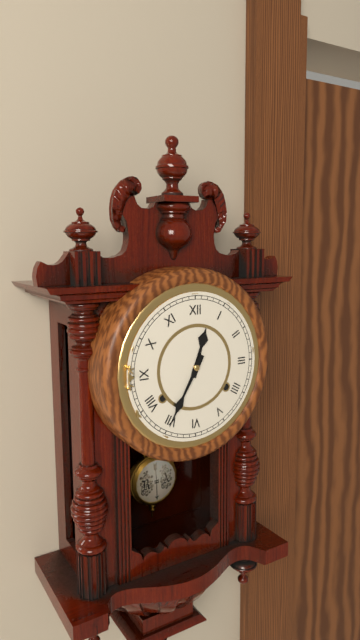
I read {"hour": 12, "minute": 35}
